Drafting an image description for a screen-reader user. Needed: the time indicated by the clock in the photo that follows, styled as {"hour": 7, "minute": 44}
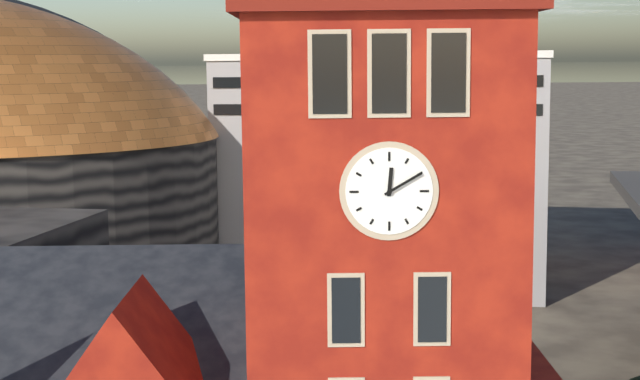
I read {"hour": 12, "minute": 10}
